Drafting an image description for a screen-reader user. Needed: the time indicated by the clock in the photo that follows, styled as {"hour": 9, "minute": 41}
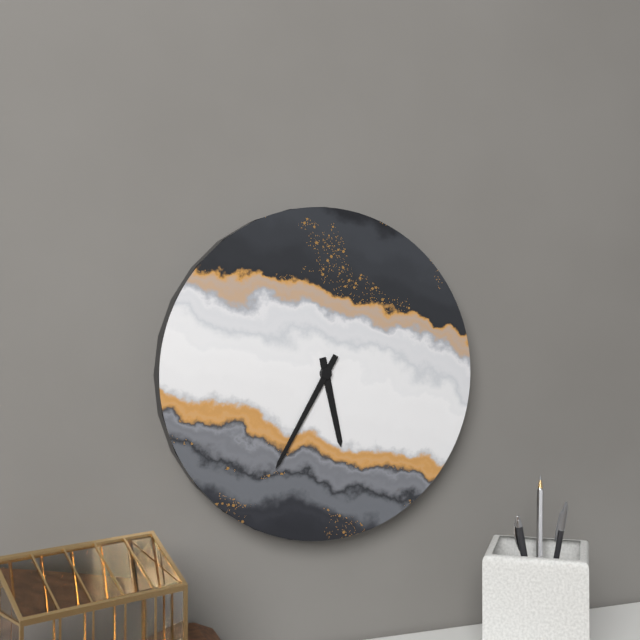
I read {"hour": 5, "minute": 35}
